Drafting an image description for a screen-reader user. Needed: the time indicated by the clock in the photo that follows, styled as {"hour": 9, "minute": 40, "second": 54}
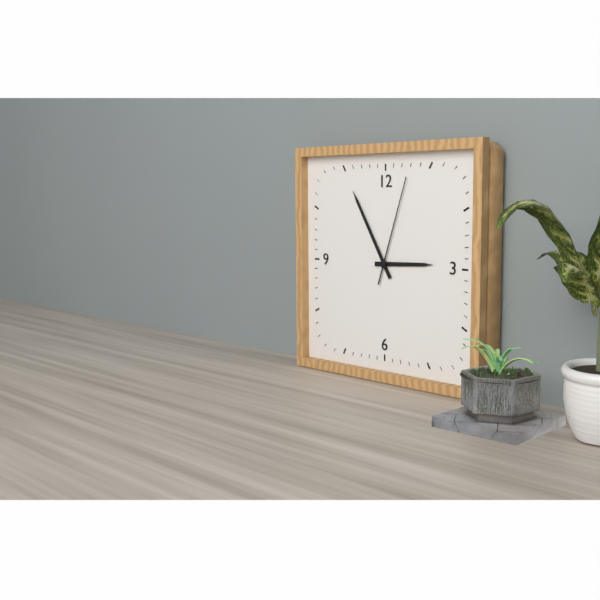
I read {"hour": 2, "minute": 55, "second": 3}
